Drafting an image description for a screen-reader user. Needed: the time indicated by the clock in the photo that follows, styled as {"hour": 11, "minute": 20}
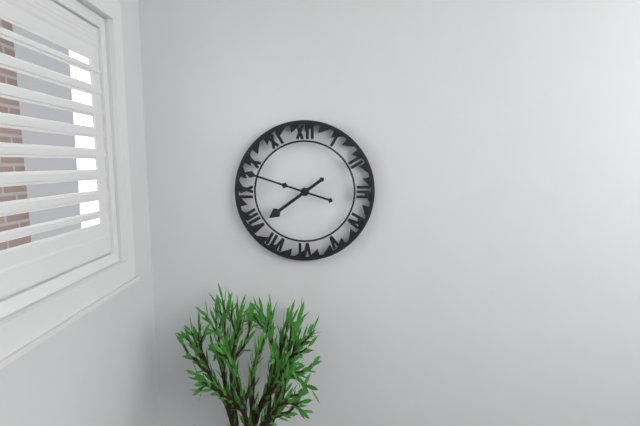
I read {"hour": 7, "minute": 48}
